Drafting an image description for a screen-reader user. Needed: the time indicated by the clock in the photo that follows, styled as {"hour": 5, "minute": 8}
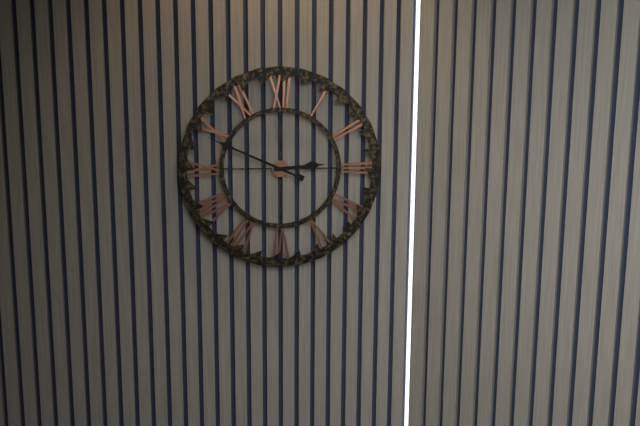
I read {"hour": 2, "minute": 49}
